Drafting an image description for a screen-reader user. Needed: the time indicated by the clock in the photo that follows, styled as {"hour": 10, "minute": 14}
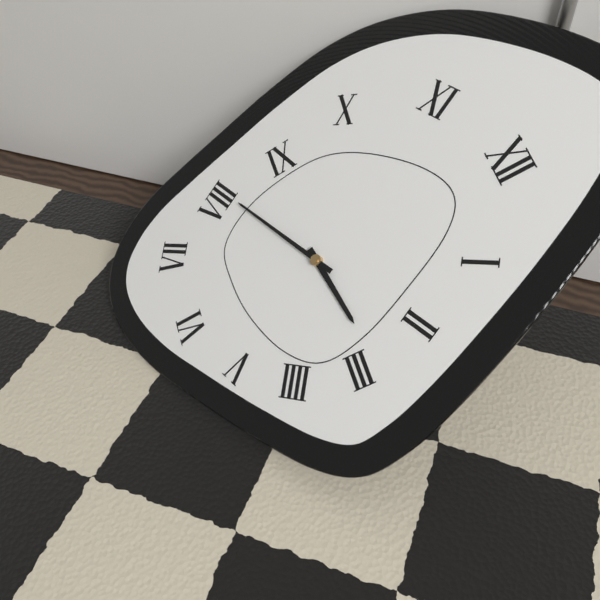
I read {"hour": 2, "minute": 40}
